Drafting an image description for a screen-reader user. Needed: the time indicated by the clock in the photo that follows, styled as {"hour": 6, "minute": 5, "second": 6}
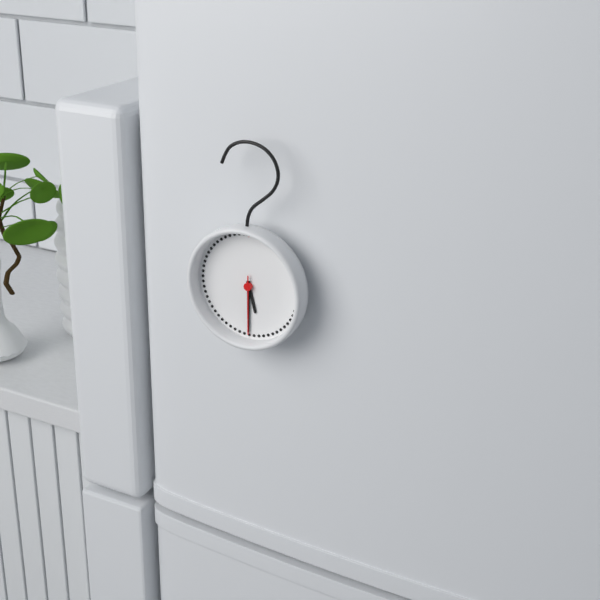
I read {"hour": 5, "minute": 30, "second": 30}
